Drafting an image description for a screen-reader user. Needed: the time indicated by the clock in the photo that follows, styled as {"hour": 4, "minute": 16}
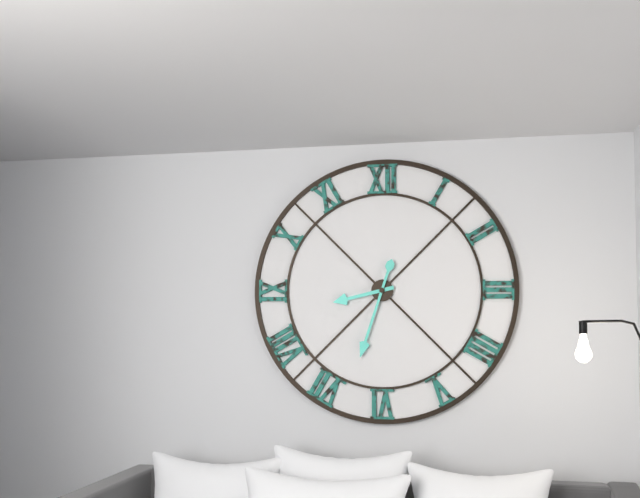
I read {"hour": 8, "minute": 33}
